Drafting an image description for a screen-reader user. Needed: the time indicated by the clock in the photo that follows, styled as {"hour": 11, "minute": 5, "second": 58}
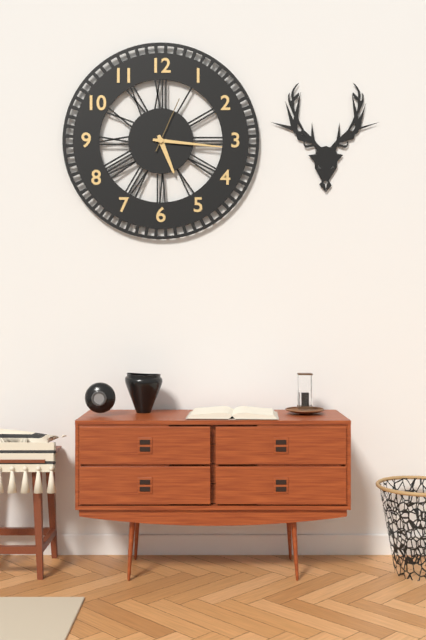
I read {"hour": 5, "minute": 16, "second": 4}
